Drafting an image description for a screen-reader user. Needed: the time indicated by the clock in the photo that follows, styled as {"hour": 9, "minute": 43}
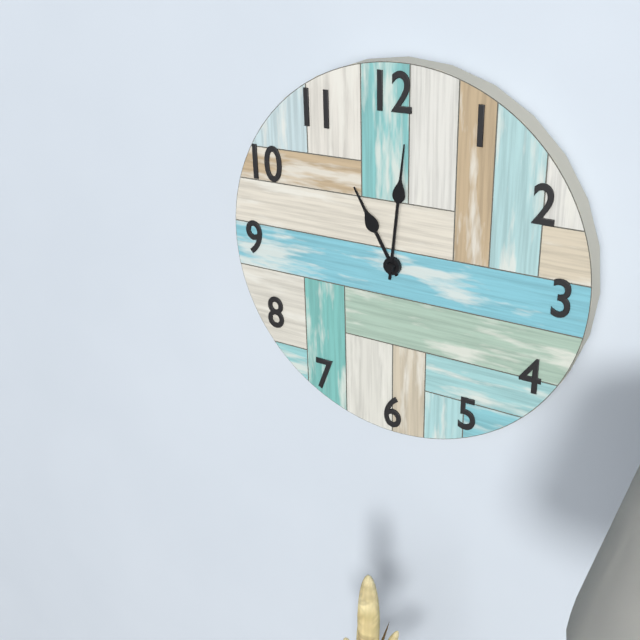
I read {"hour": 11, "minute": 1}
